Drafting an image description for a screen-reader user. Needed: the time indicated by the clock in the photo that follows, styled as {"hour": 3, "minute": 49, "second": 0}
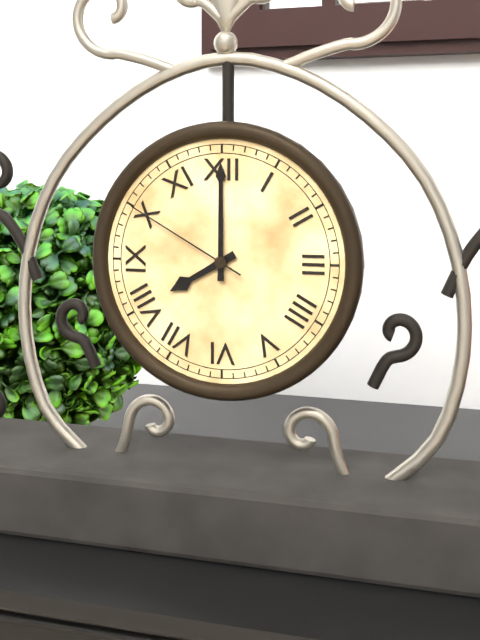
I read {"hour": 8, "minute": 0, "second": 50}
